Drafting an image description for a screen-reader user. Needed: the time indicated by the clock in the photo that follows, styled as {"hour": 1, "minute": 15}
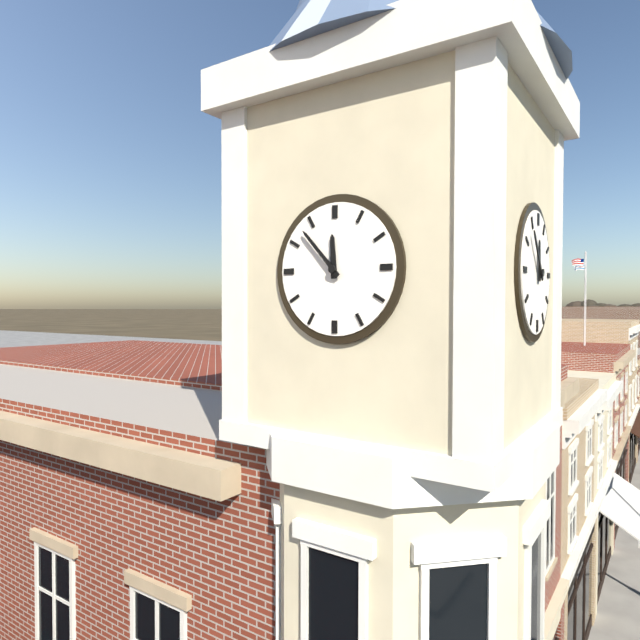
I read {"hour": 11, "minute": 53}
